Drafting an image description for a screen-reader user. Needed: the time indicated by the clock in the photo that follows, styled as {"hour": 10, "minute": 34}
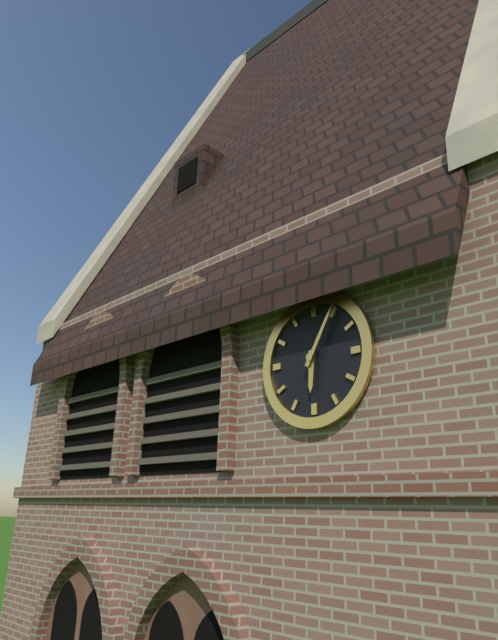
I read {"hour": 6, "minute": 5}
